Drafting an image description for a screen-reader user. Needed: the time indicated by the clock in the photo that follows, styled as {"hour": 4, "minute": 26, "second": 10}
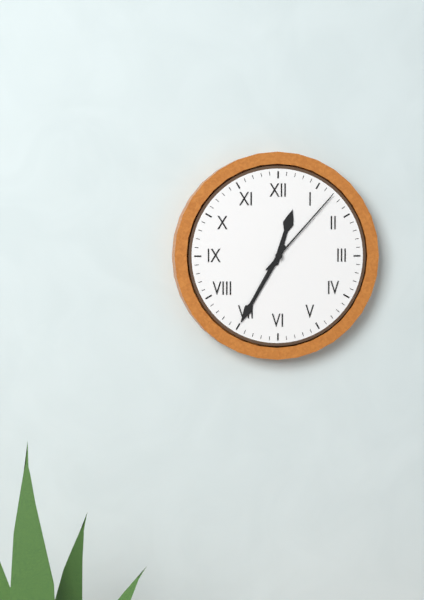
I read {"hour": 12, "minute": 35, "second": 7}
